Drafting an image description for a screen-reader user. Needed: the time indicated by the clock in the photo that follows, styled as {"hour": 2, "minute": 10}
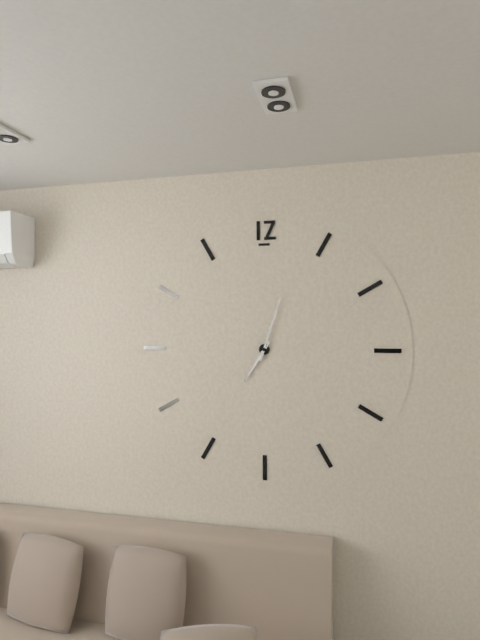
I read {"hour": 7, "minute": 3}
